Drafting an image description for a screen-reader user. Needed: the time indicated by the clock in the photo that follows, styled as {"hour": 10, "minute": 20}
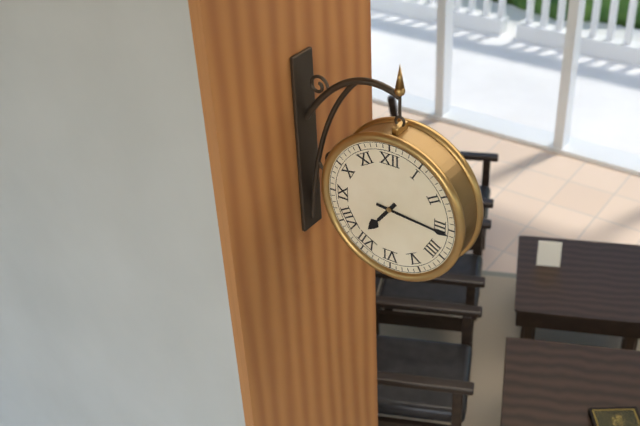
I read {"hour": 7, "minute": 16}
